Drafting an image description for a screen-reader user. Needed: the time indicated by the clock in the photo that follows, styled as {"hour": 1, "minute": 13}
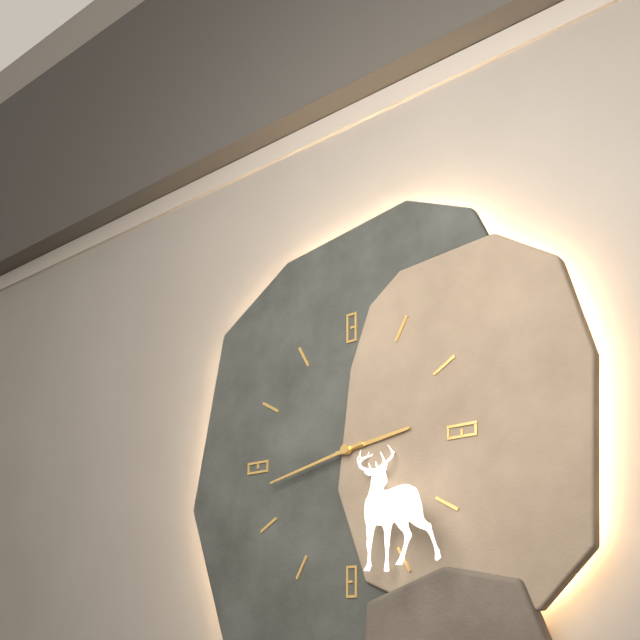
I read {"hour": 2, "minute": 43}
